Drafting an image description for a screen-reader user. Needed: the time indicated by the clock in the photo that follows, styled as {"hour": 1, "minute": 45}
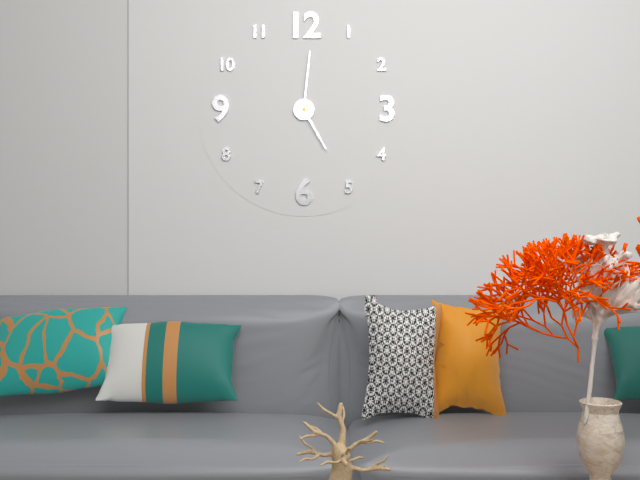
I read {"hour": 5, "minute": 1}
